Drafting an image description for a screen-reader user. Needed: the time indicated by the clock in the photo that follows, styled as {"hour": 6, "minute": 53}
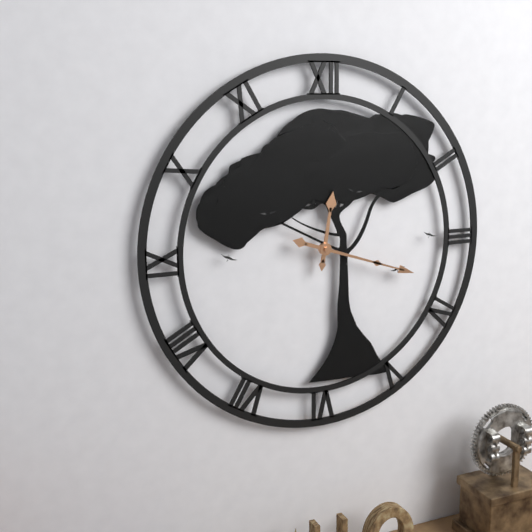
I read {"hour": 12, "minute": 18}
